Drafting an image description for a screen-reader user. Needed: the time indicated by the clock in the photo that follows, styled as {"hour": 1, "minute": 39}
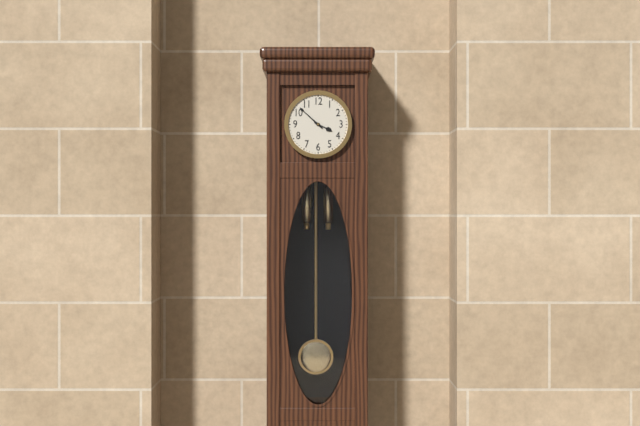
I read {"hour": 3, "minute": 52}
